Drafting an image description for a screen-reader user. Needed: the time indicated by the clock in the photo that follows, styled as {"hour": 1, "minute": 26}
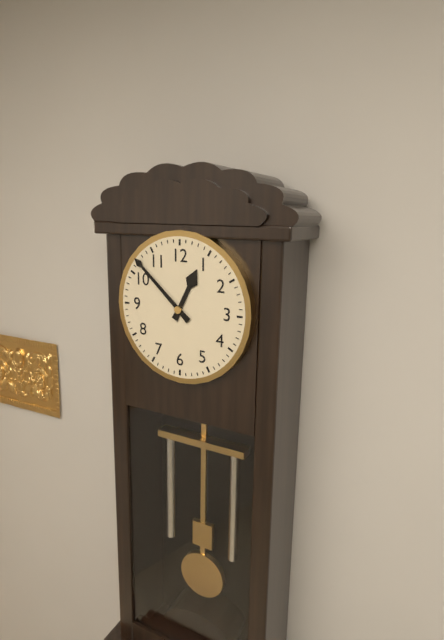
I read {"hour": 12, "minute": 52}
